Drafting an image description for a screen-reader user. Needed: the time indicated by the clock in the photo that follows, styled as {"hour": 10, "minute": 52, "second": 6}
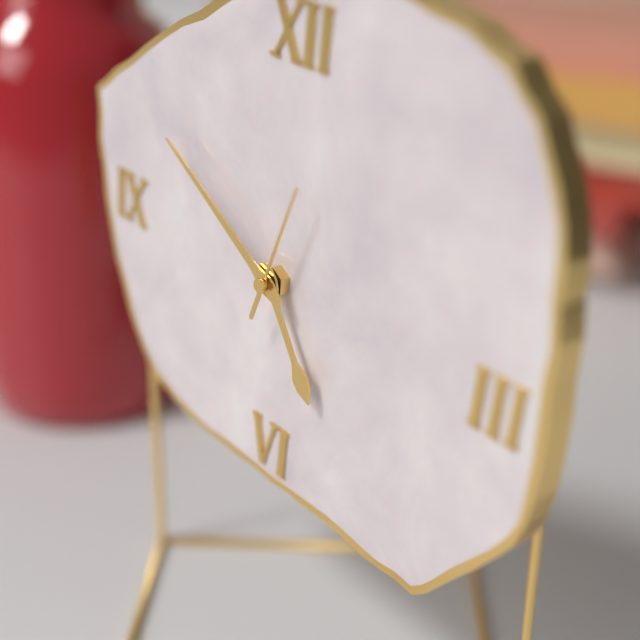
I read {"hour": 4, "minute": 50, "second": 3}
